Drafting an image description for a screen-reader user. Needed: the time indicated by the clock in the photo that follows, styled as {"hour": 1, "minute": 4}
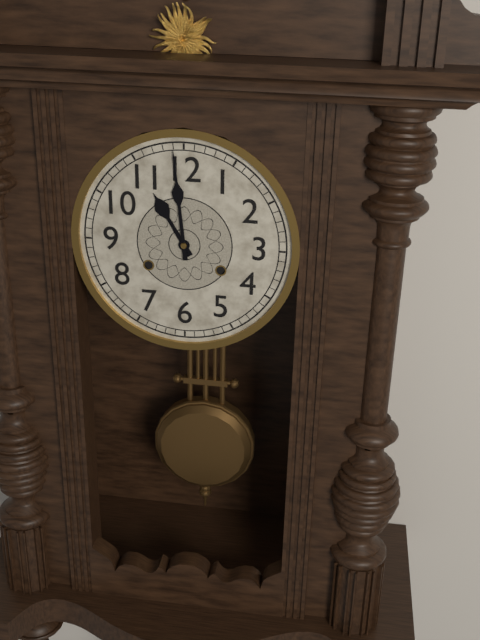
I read {"hour": 10, "minute": 59}
